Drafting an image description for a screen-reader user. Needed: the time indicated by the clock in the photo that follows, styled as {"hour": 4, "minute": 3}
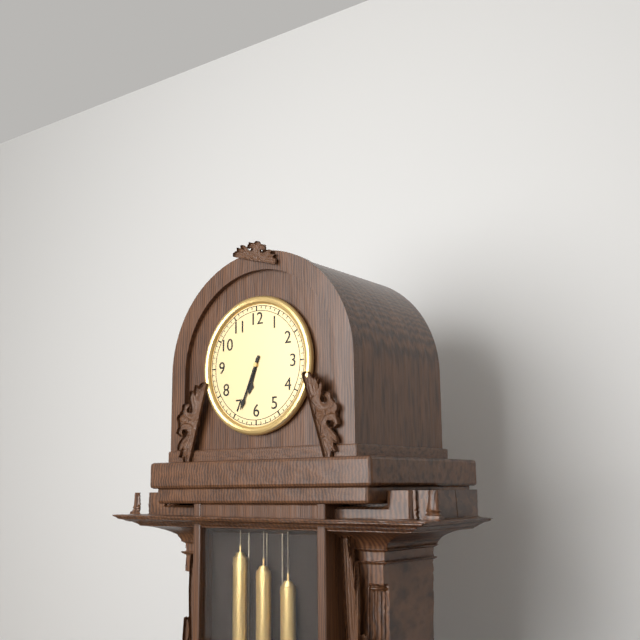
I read {"hour": 6, "minute": 34}
